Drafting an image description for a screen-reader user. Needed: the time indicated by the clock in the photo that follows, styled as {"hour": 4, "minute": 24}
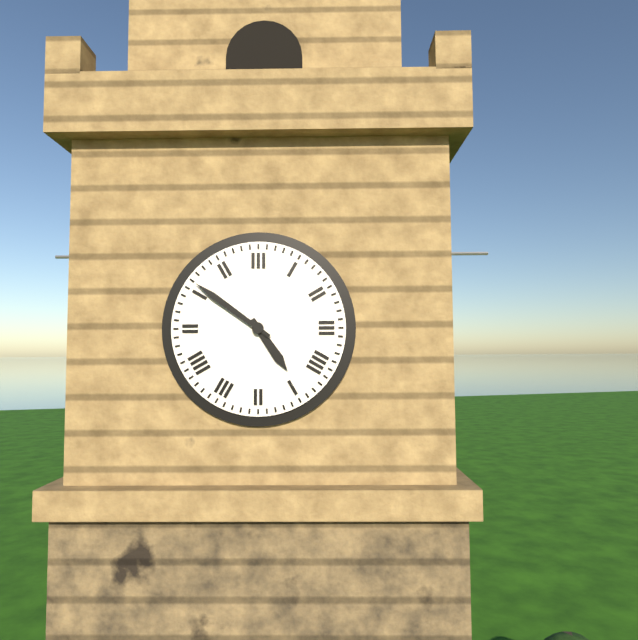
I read {"hour": 4, "minute": 51}
